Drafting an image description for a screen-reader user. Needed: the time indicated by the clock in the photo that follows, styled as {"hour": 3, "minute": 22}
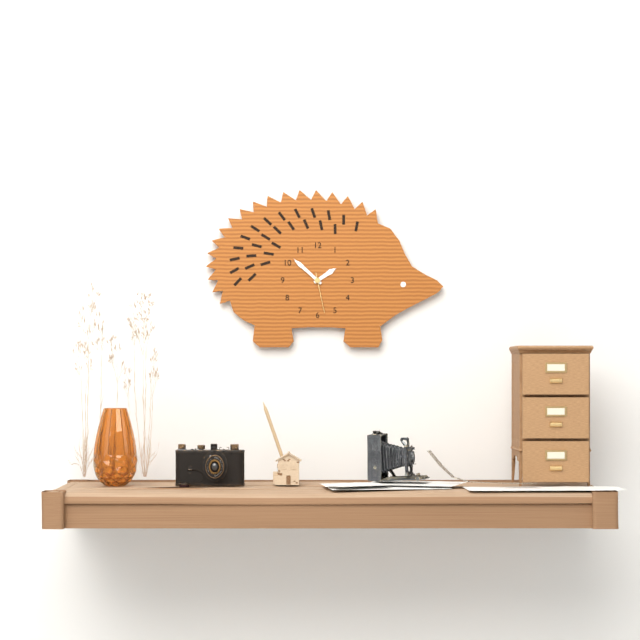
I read {"hour": 1, "minute": 52}
